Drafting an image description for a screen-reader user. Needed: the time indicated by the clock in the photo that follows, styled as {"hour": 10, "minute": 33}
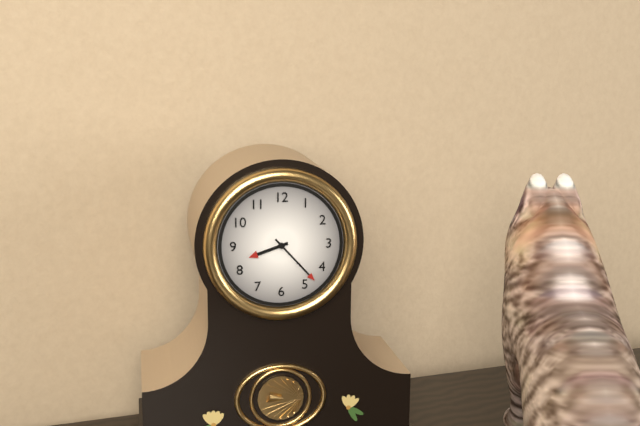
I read {"hour": 8, "minute": 23}
